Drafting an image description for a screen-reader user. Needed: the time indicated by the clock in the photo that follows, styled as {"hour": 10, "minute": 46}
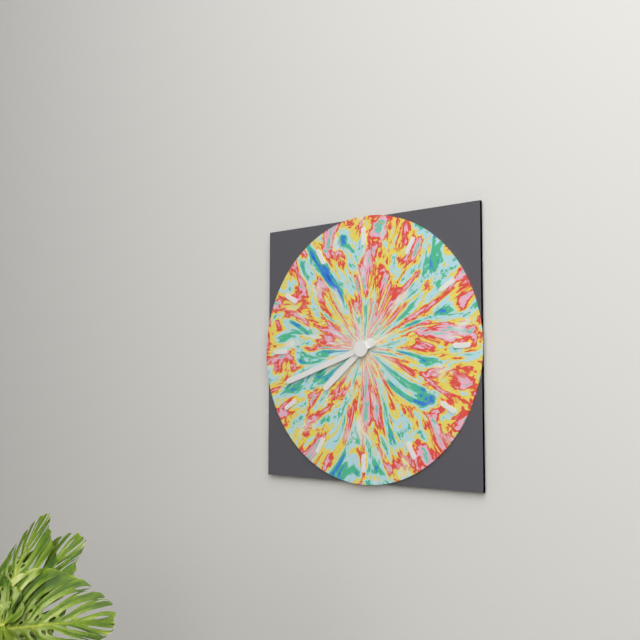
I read {"hour": 7, "minute": 42}
